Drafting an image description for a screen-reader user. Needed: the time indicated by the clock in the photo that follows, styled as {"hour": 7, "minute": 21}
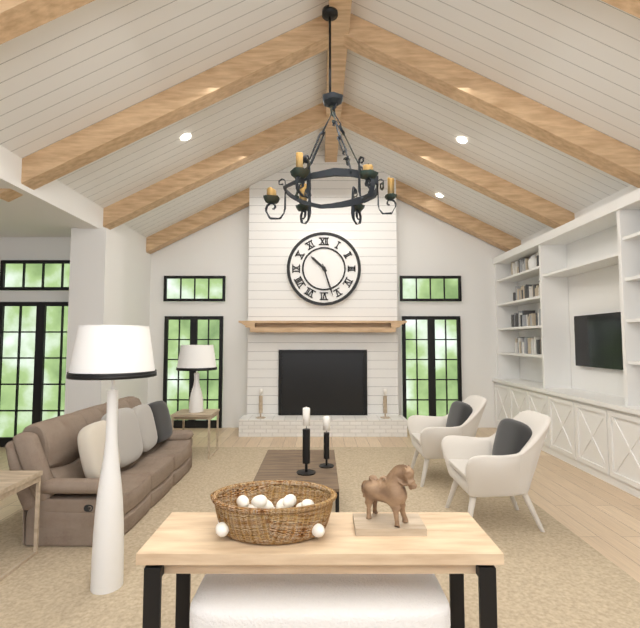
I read {"hour": 10, "minute": 27}
